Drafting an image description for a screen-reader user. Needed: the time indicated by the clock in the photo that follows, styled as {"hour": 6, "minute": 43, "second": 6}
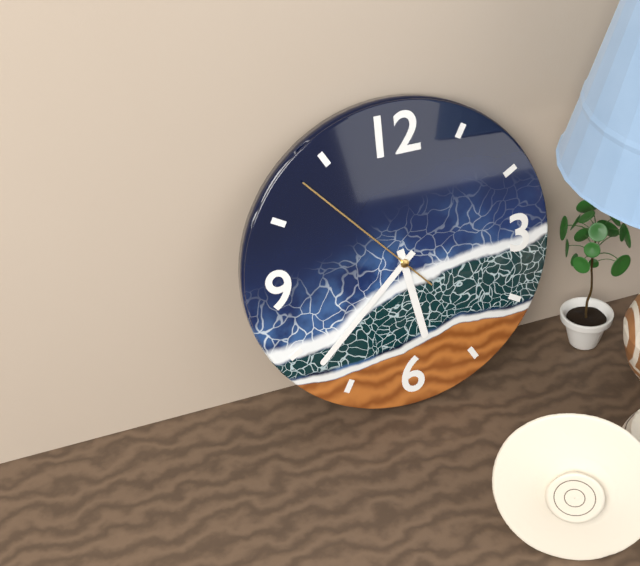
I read {"hour": 5, "minute": 38, "second": 53}
